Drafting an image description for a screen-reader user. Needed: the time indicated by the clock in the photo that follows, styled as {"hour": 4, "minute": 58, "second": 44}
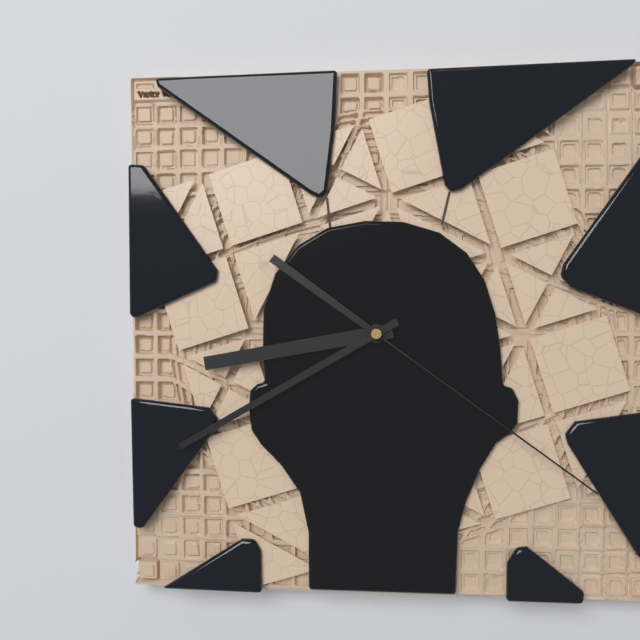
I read {"hour": 8, "minute": 40, "second": 21}
